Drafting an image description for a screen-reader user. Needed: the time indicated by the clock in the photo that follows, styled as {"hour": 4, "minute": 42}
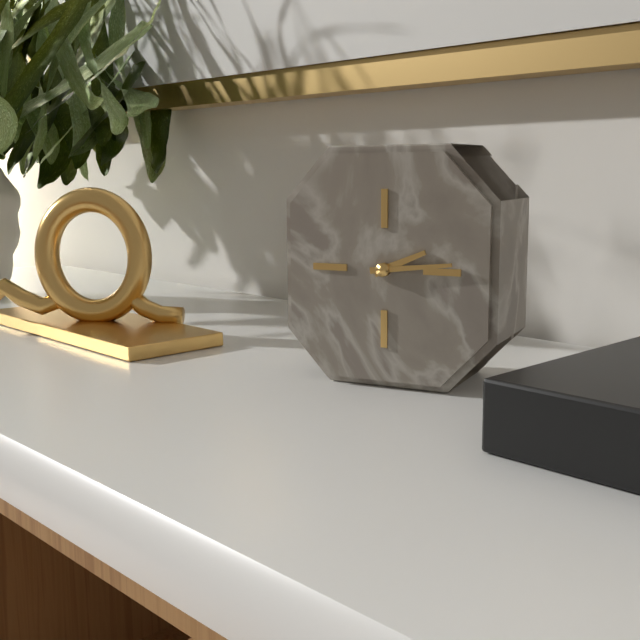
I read {"hour": 2, "minute": 14}
